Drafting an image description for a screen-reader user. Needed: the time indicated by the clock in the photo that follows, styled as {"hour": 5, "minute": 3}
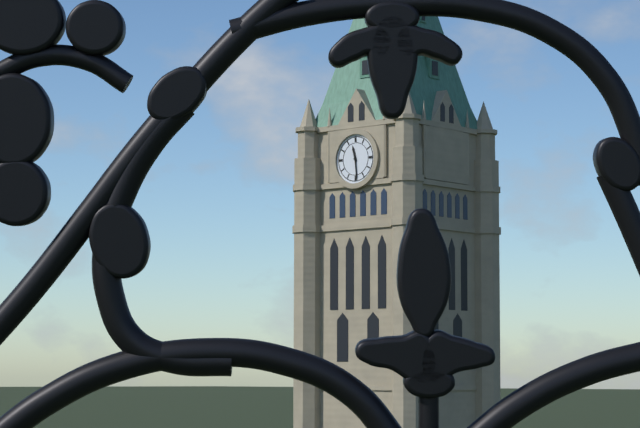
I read {"hour": 11, "minute": 29}
